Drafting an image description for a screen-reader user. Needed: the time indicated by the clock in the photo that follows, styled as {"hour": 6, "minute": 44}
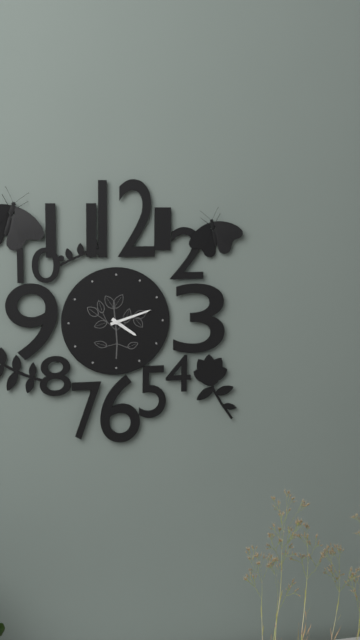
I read {"hour": 4, "minute": 12}
